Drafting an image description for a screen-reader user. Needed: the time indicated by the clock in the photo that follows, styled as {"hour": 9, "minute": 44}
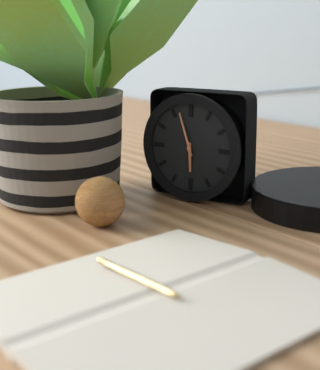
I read {"hour": 5, "minute": 57}
